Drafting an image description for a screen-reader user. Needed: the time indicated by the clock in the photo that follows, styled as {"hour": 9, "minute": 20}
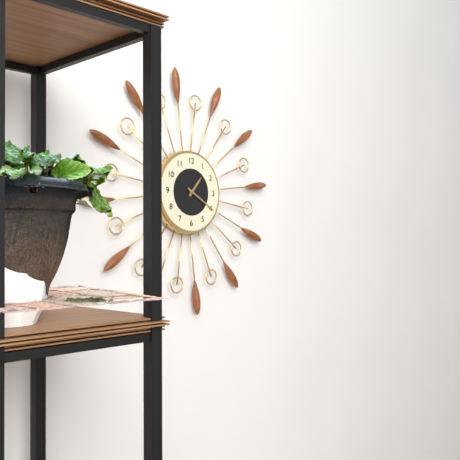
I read {"hour": 1, "minute": 20}
